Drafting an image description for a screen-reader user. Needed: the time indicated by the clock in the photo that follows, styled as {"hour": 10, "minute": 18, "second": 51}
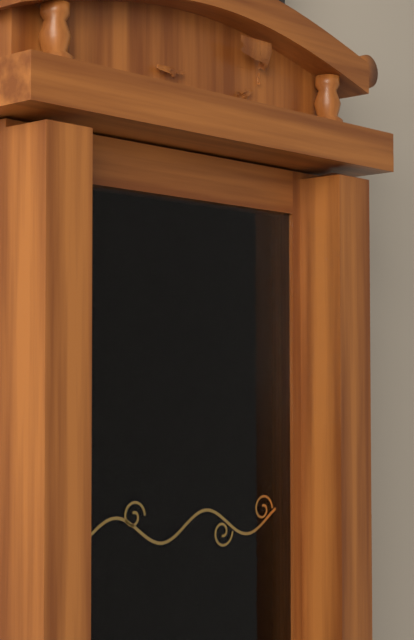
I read {"hour": 5, "minute": 36, "second": 20}
